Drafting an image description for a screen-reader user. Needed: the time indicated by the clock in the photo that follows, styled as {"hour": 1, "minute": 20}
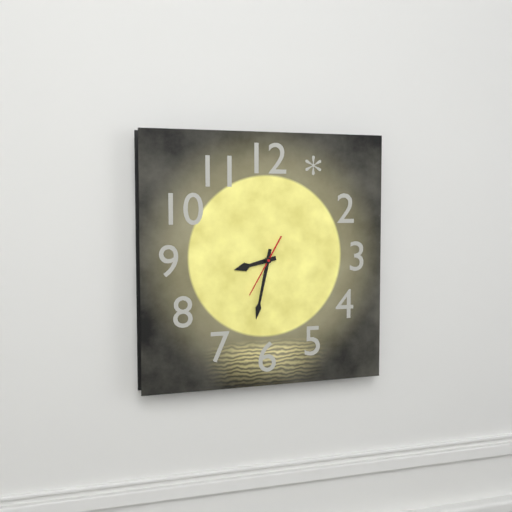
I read {"hour": 8, "minute": 32}
